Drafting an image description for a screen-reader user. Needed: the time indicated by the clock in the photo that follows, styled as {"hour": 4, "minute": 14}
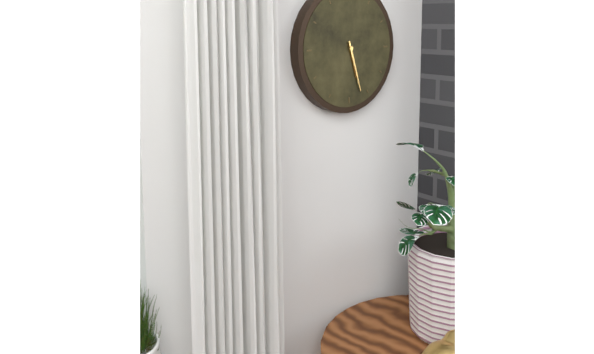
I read {"hour": 5, "minute": 27}
